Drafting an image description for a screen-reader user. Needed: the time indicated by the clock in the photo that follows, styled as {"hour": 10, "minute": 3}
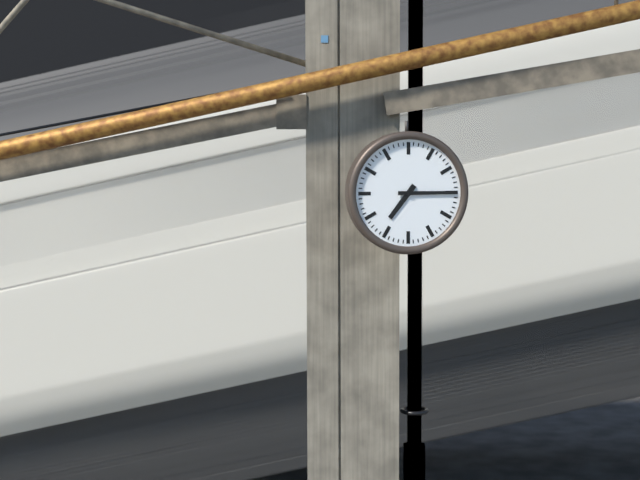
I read {"hour": 7, "minute": 15}
